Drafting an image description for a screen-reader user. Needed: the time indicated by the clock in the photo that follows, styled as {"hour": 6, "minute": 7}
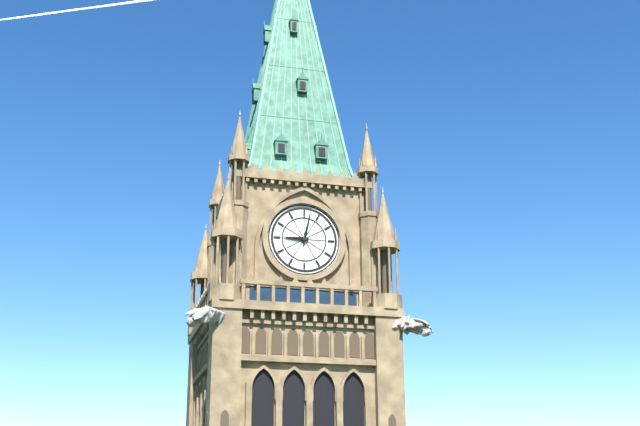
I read {"hour": 9, "minute": 2}
